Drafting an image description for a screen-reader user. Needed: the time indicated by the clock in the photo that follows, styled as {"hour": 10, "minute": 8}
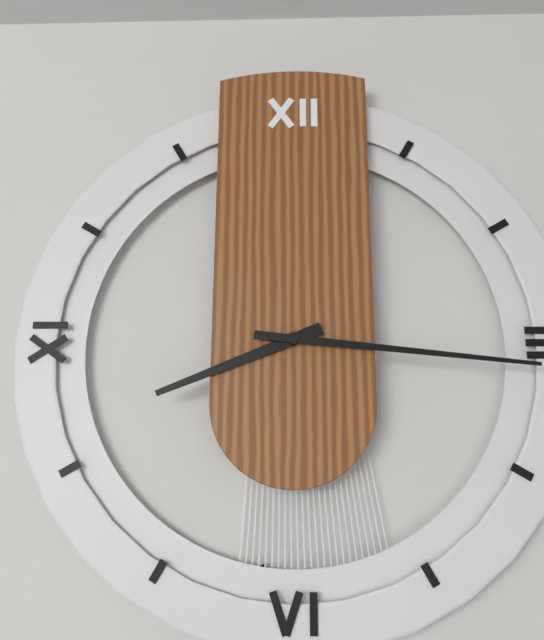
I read {"hour": 8, "minute": 16}
